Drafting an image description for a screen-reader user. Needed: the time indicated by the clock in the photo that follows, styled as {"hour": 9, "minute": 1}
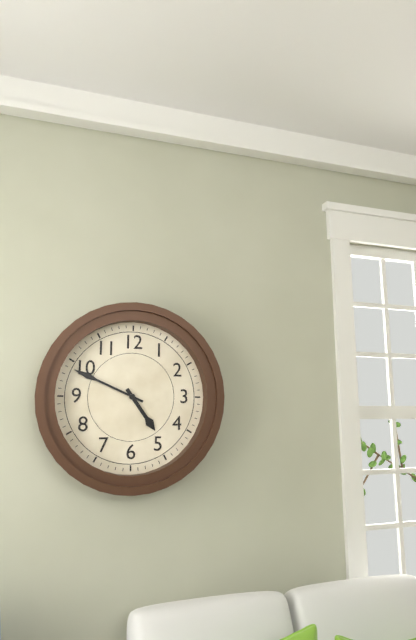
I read {"hour": 4, "minute": 49}
